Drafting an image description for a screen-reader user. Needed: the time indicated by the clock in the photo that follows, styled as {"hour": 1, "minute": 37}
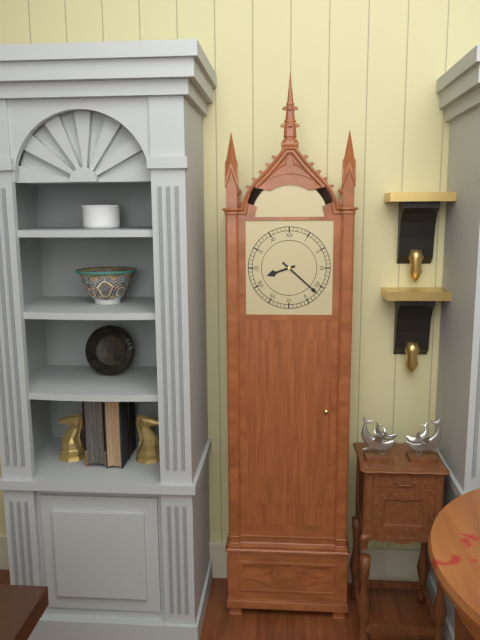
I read {"hour": 8, "minute": 22}
